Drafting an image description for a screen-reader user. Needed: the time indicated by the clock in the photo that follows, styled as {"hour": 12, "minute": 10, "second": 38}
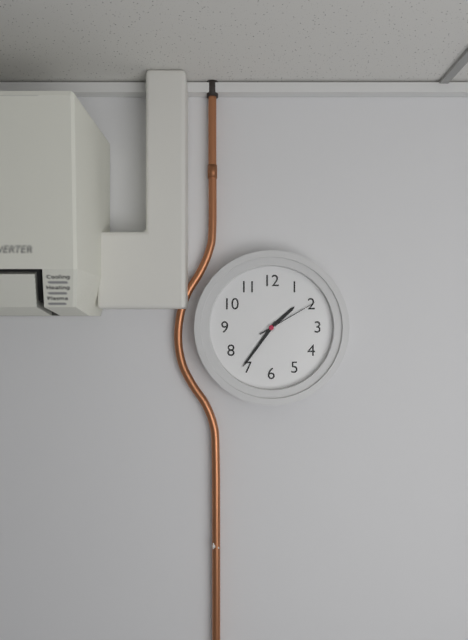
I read {"hour": 1, "minute": 36, "second": 10}
